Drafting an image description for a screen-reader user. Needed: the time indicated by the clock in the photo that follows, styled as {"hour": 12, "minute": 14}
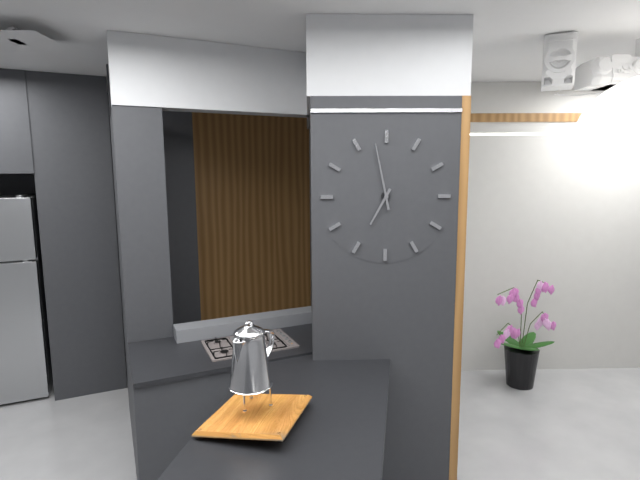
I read {"hour": 6, "minute": 58}
